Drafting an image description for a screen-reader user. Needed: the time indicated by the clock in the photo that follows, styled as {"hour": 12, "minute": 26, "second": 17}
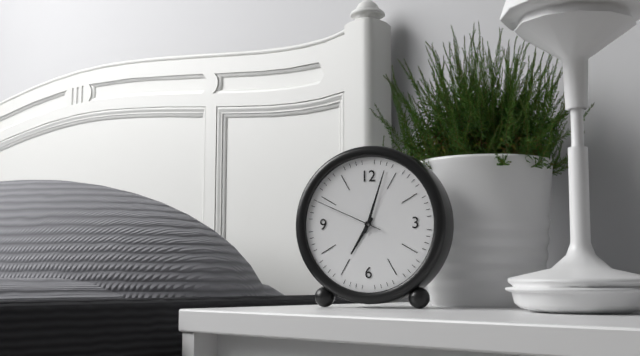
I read {"hour": 7, "minute": 3, "second": 49}
